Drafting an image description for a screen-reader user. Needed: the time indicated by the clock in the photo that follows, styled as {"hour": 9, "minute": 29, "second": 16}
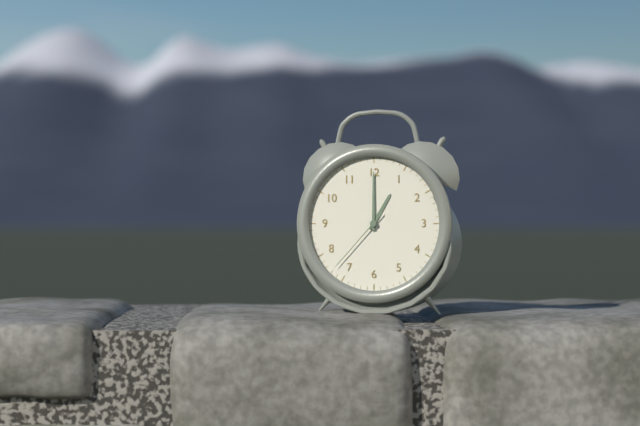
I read {"hour": 1, "minute": 0, "second": 37}
